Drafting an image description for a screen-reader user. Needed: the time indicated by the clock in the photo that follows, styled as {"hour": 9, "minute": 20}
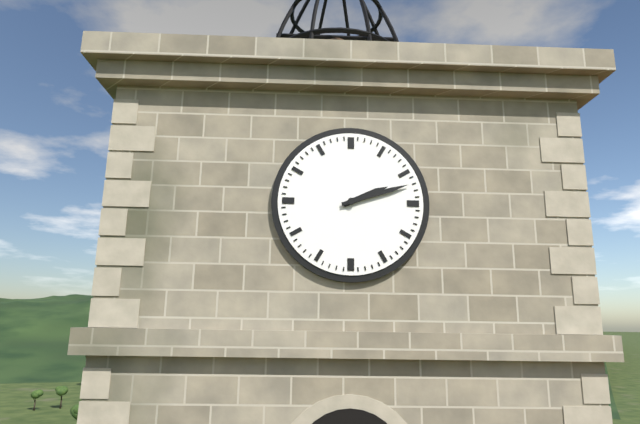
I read {"hour": 2, "minute": 12}
